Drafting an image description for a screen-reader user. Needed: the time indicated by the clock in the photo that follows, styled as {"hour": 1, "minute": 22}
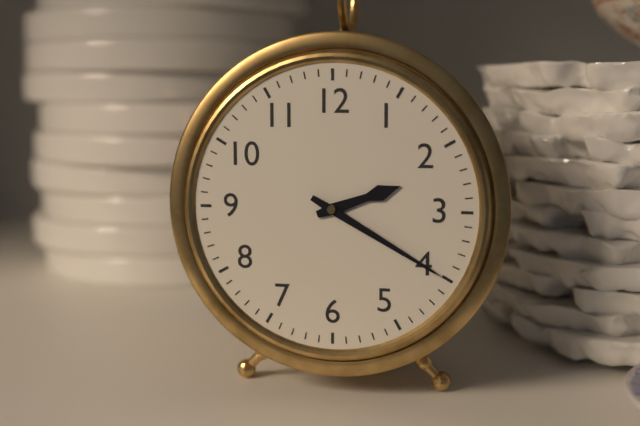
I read {"hour": 2, "minute": 20}
